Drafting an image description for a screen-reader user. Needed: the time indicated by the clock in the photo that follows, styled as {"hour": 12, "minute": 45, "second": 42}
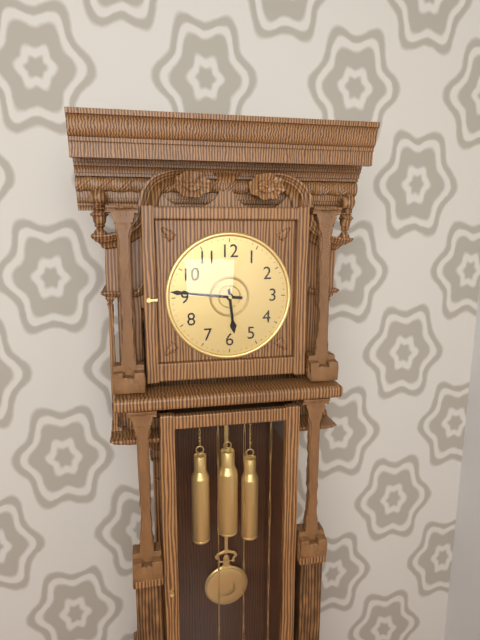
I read {"hour": 5, "minute": 46, "second": 53}
